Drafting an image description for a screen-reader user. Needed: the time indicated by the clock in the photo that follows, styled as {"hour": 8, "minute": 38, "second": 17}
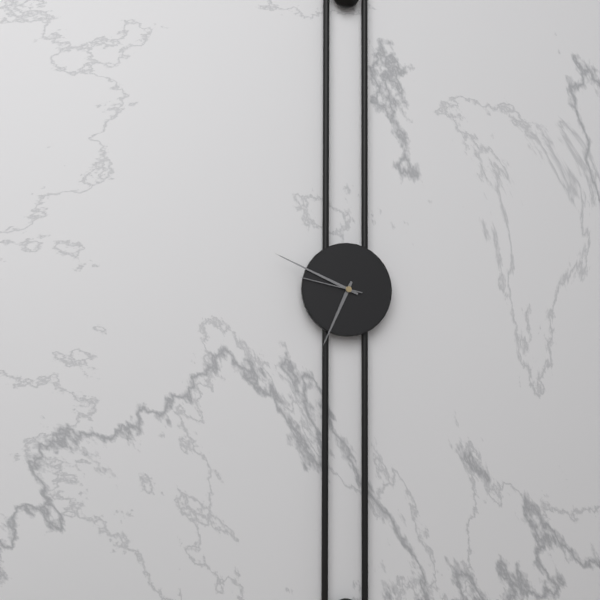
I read {"hour": 6, "minute": 49, "second": 47}
